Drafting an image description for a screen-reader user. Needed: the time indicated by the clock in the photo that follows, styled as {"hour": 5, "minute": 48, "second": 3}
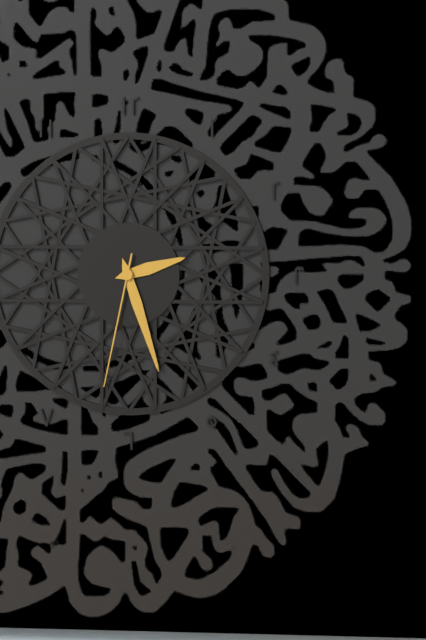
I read {"hour": 2, "minute": 27, "second": 32}
